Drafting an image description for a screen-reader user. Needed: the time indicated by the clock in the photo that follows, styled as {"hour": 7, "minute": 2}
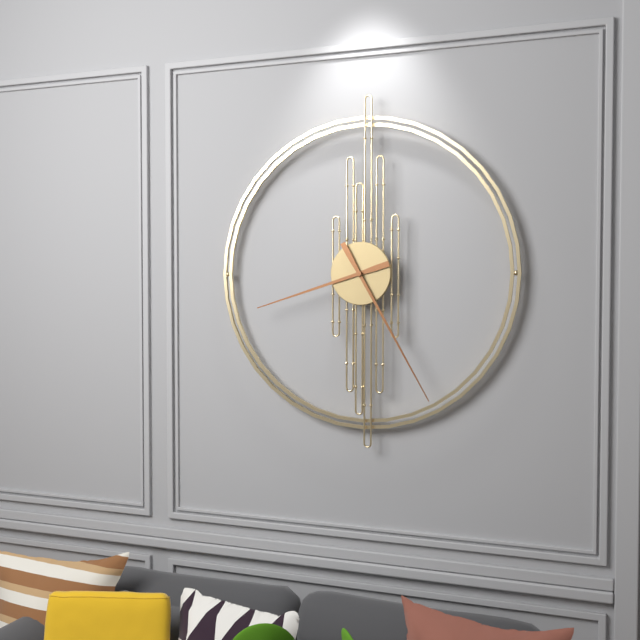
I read {"hour": 8, "minute": 25}
